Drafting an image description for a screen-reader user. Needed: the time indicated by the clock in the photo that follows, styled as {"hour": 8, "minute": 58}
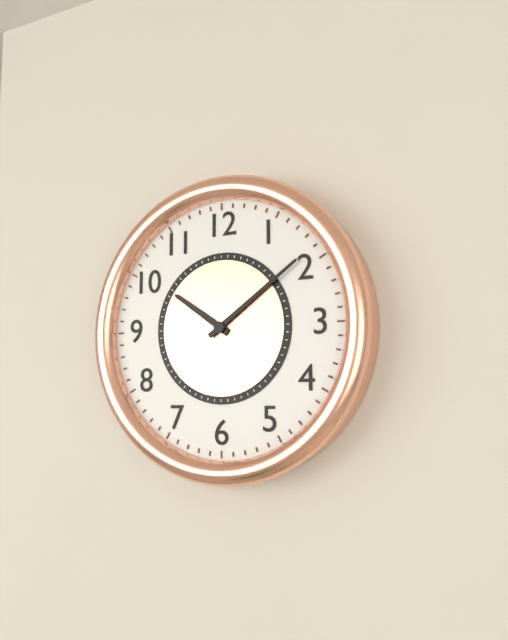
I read {"hour": 10, "minute": 9}
